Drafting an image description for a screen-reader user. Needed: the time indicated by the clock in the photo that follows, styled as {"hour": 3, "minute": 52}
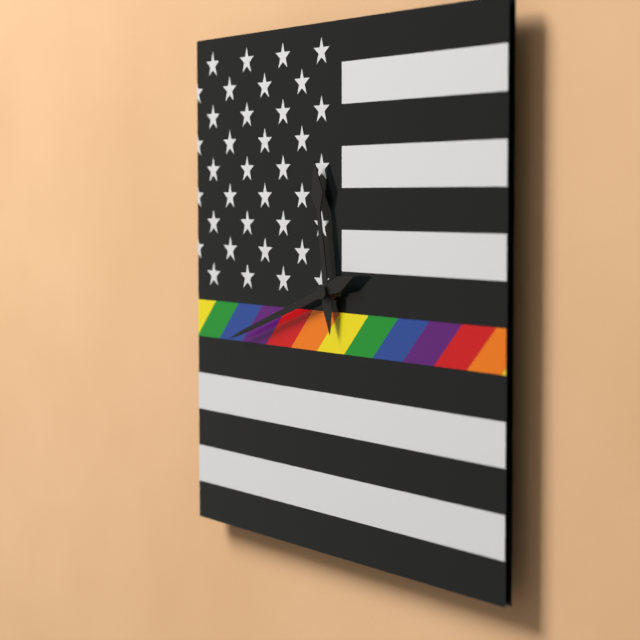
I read {"hour": 11, "minute": 42}
